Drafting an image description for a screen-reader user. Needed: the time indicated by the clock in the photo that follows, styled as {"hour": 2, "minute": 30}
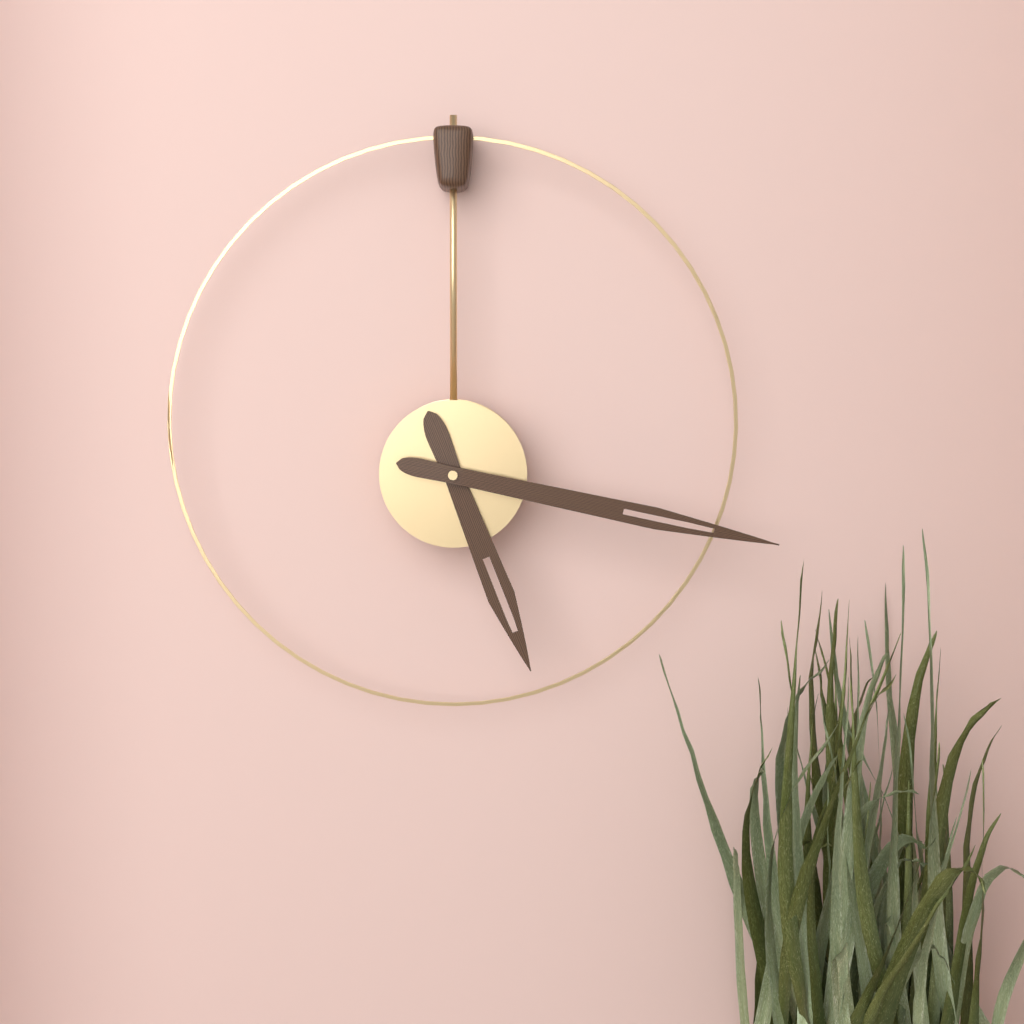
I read {"hour": 5, "minute": 17}
